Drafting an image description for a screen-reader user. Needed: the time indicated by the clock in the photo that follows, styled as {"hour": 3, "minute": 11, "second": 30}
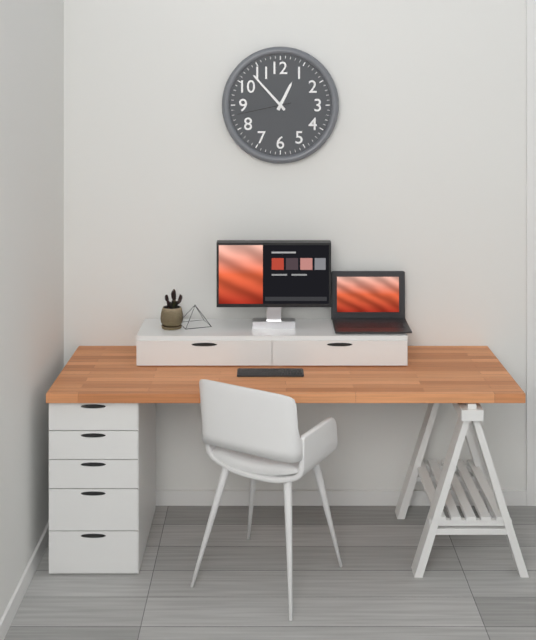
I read {"hour": 12, "minute": 53, "second": 43}
